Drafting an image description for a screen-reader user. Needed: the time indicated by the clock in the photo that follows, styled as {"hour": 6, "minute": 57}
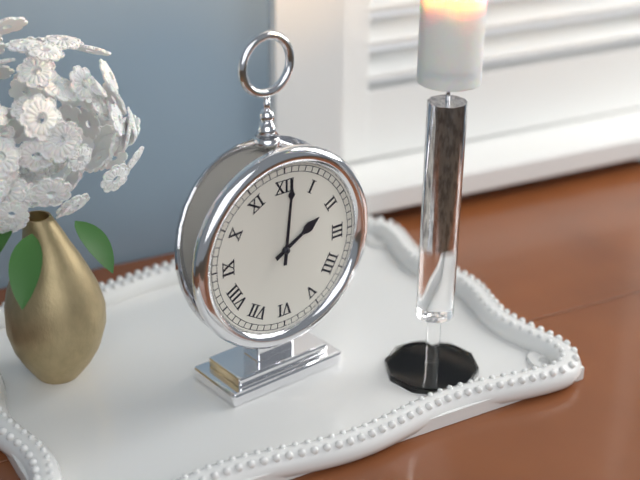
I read {"hour": 2, "minute": 1}
